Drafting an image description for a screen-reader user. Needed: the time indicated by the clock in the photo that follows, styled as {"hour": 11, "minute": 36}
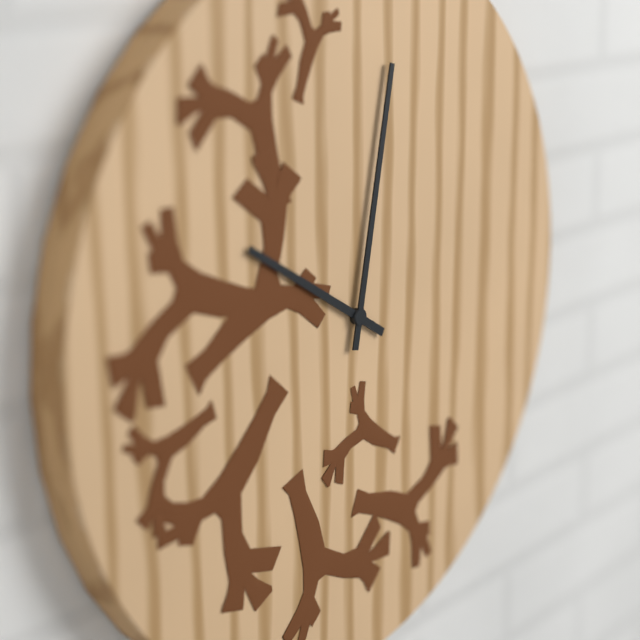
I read {"hour": 10, "minute": 2}
